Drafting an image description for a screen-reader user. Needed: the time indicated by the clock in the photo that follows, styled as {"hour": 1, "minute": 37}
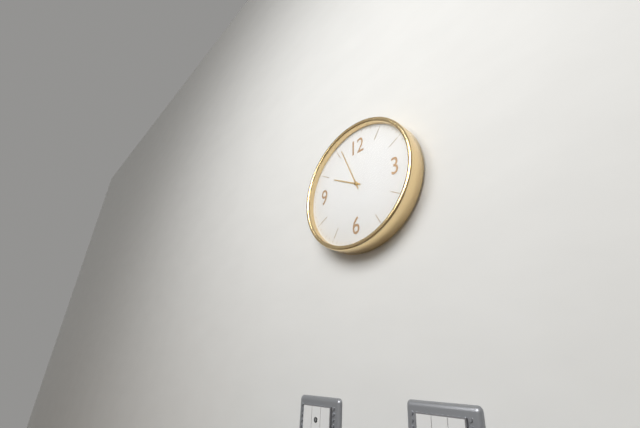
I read {"hour": 9, "minute": 56}
